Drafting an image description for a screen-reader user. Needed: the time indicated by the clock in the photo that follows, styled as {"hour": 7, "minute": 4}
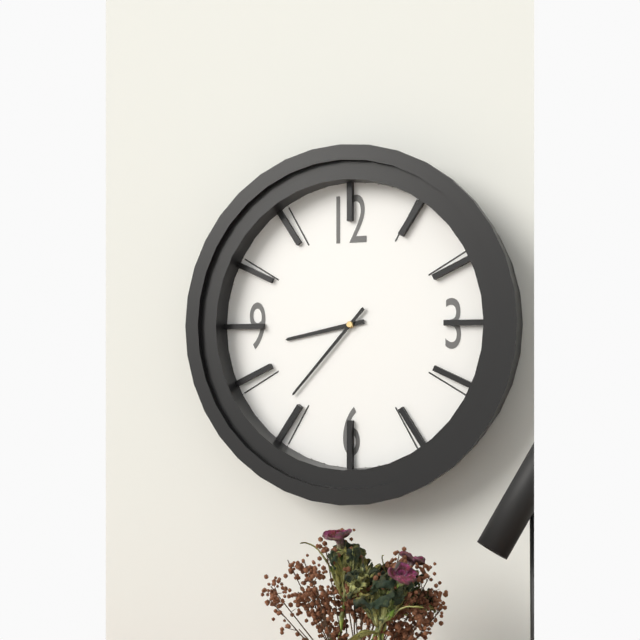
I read {"hour": 8, "minute": 37}
